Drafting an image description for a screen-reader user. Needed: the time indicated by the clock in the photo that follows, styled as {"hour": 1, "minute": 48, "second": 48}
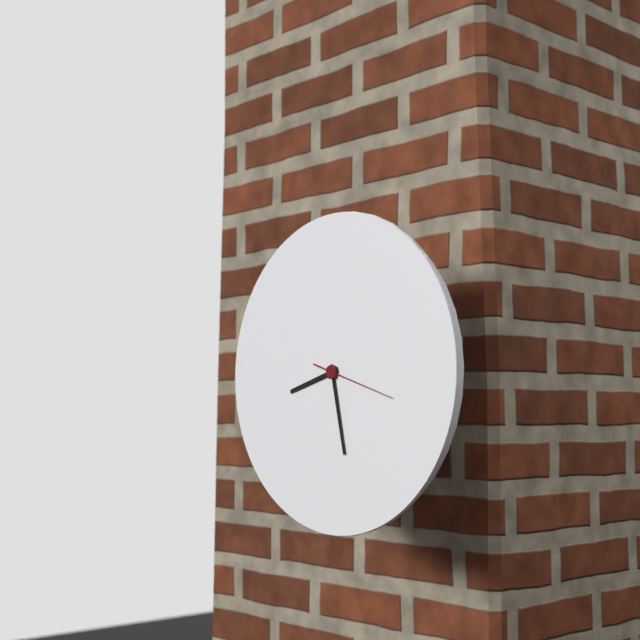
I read {"hour": 8, "minute": 28, "second": 18}
